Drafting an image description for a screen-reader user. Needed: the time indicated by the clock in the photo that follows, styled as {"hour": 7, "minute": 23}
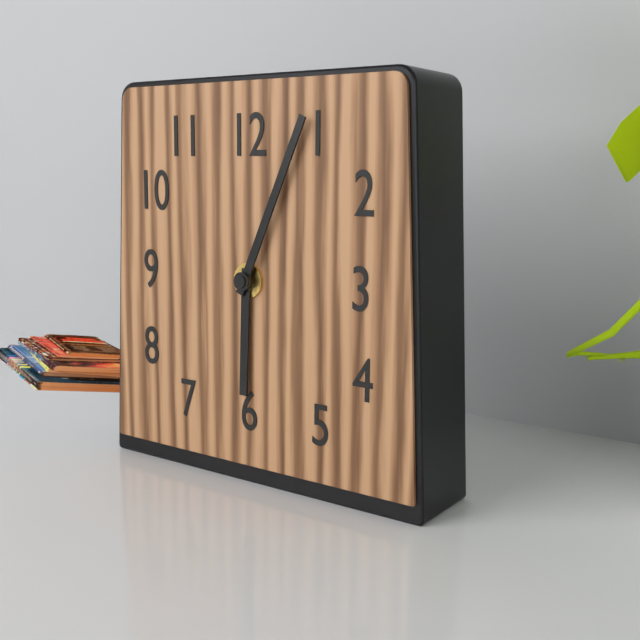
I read {"hour": 6, "minute": 4}
